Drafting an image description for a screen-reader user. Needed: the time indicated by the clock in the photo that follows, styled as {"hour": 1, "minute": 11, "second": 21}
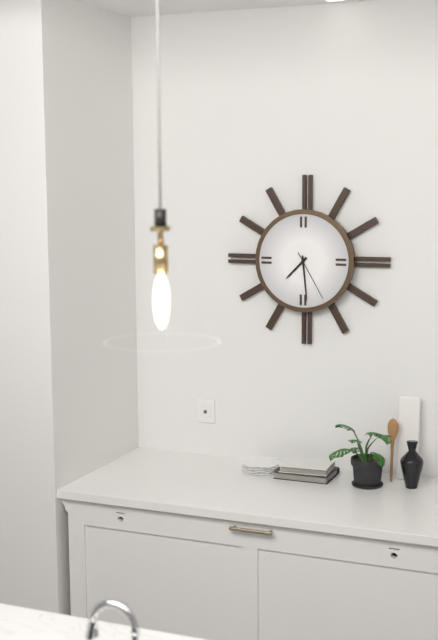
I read {"hour": 7, "minute": 29, "second": 25}
